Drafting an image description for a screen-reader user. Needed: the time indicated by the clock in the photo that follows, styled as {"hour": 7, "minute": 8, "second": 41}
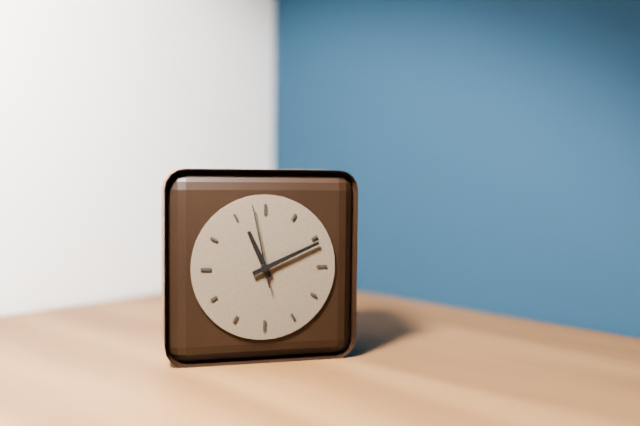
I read {"hour": 11, "minute": 11, "second": 58}
